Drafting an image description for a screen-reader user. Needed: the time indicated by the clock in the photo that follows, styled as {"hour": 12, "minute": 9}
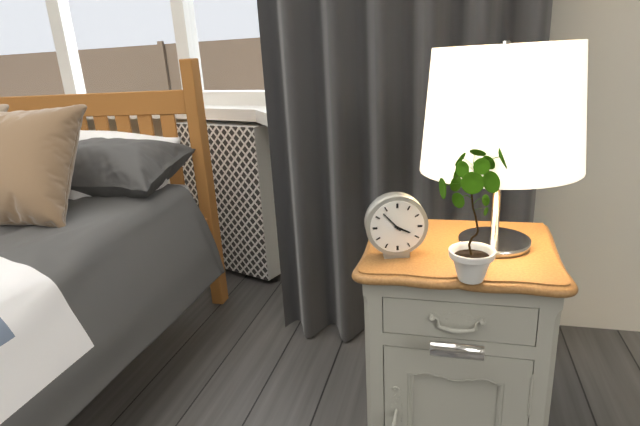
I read {"hour": 3, "minute": 53}
